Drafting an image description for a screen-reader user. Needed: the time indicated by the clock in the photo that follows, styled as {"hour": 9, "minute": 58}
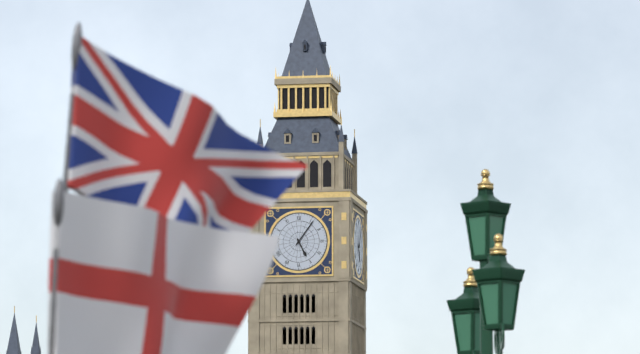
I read {"hour": 5, "minute": 6}
